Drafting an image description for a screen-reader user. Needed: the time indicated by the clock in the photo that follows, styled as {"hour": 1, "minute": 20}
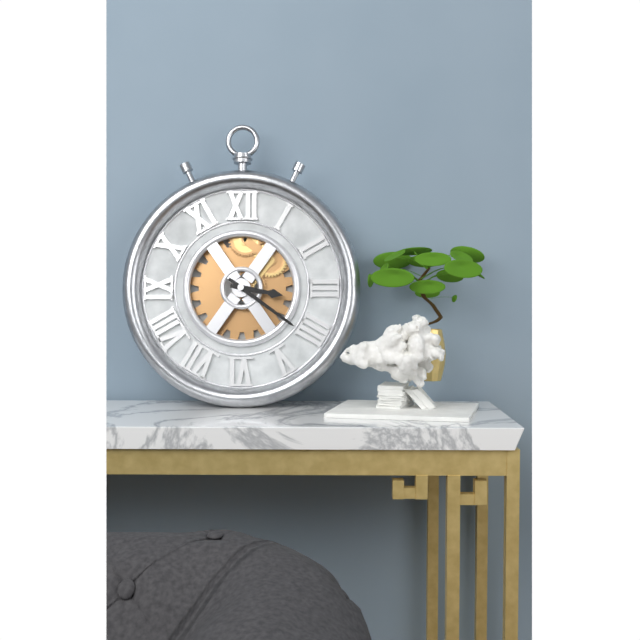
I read {"hour": 3, "minute": 21}
